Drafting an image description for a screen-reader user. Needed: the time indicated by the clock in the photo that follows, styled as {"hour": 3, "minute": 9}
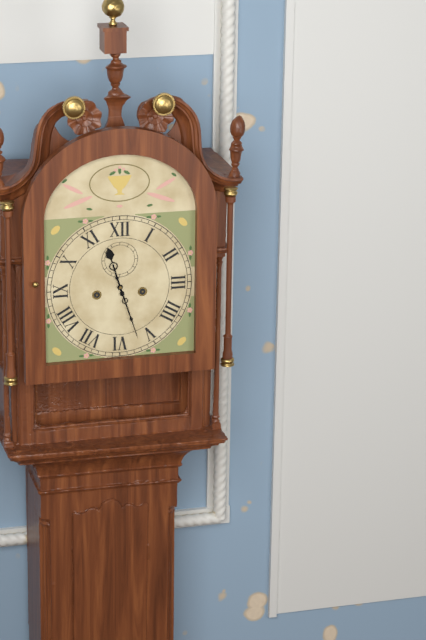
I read {"hour": 11, "minute": 27}
